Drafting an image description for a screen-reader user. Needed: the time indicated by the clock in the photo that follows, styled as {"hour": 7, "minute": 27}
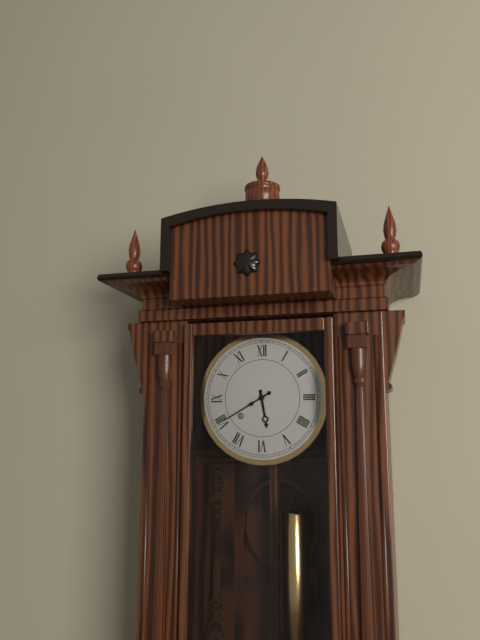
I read {"hour": 5, "minute": 40}
